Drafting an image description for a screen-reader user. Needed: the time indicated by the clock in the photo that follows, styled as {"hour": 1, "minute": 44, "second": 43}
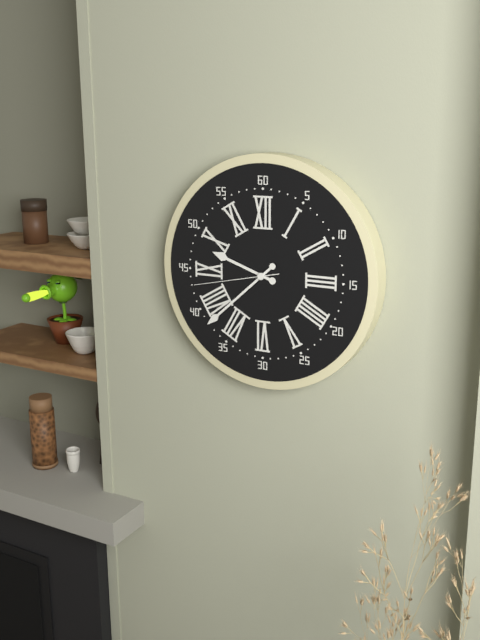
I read {"hour": 9, "minute": 38, "second": 43}
